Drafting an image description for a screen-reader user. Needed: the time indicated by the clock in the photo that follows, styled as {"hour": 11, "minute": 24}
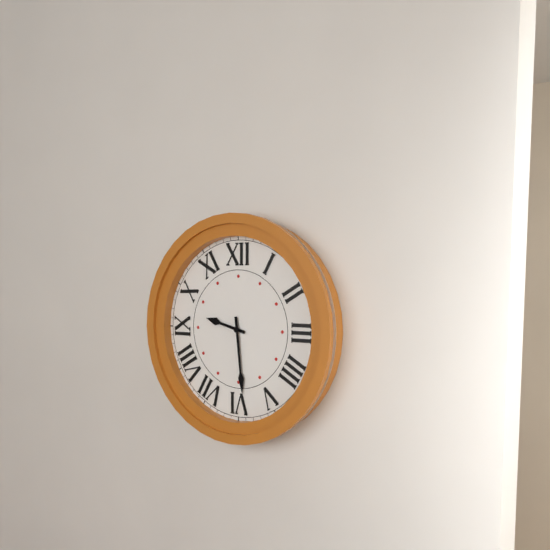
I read {"hour": 9, "minute": 29}
